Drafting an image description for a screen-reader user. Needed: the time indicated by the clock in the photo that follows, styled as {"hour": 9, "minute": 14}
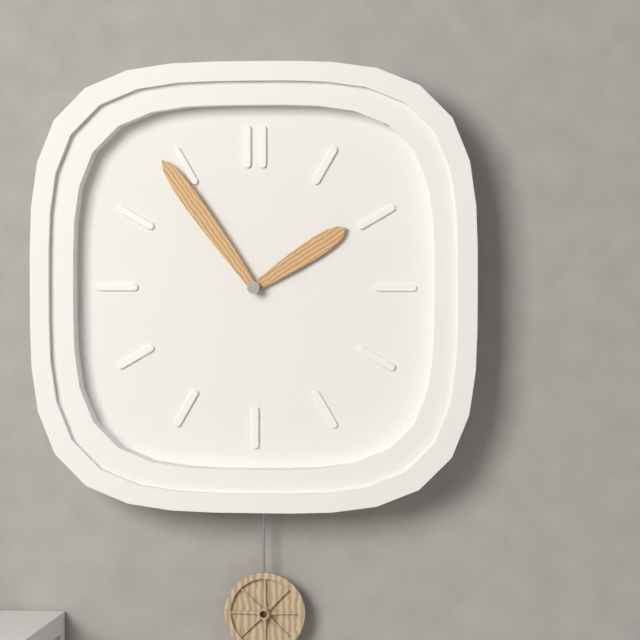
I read {"hour": 1, "minute": 54}
